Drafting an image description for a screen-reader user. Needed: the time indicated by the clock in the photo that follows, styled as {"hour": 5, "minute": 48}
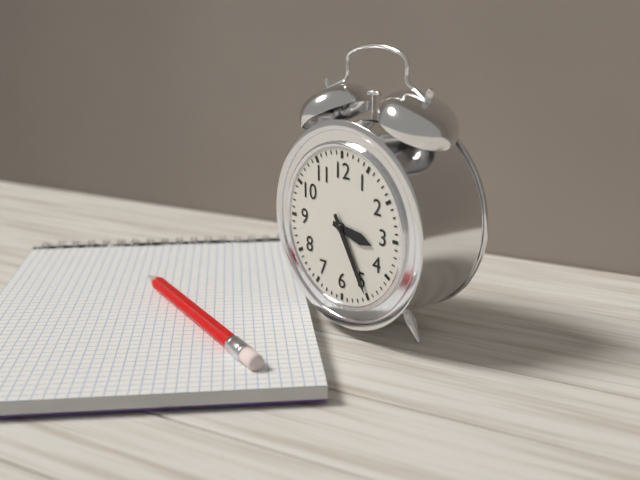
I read {"hour": 3, "minute": 25}
